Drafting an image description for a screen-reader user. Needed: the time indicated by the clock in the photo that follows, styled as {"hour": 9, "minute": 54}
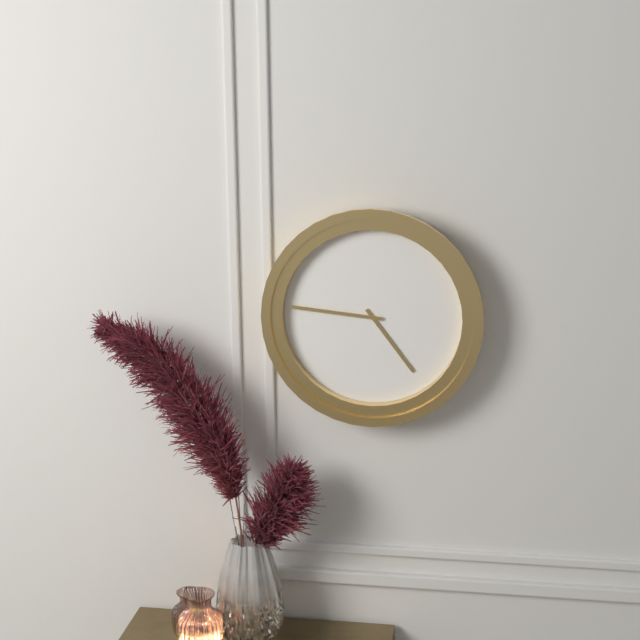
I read {"hour": 4, "minute": 46}
